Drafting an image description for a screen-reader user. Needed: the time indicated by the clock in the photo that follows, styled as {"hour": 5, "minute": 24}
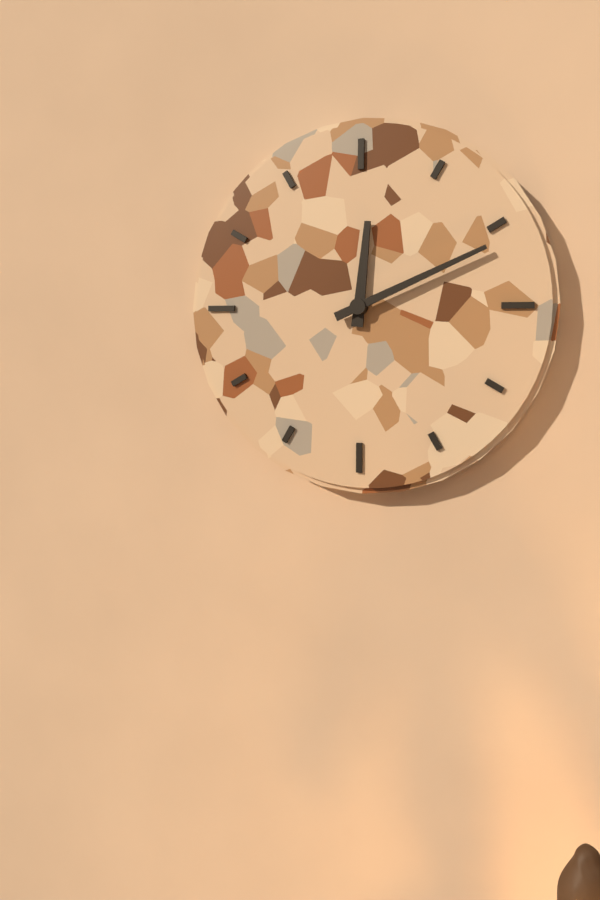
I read {"hour": 12, "minute": 11}
